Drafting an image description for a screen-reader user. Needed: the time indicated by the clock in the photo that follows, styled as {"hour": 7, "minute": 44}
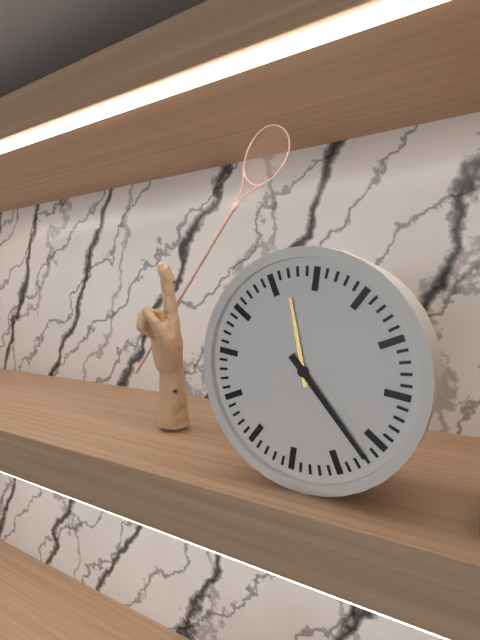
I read {"hour": 11, "minute": 22}
